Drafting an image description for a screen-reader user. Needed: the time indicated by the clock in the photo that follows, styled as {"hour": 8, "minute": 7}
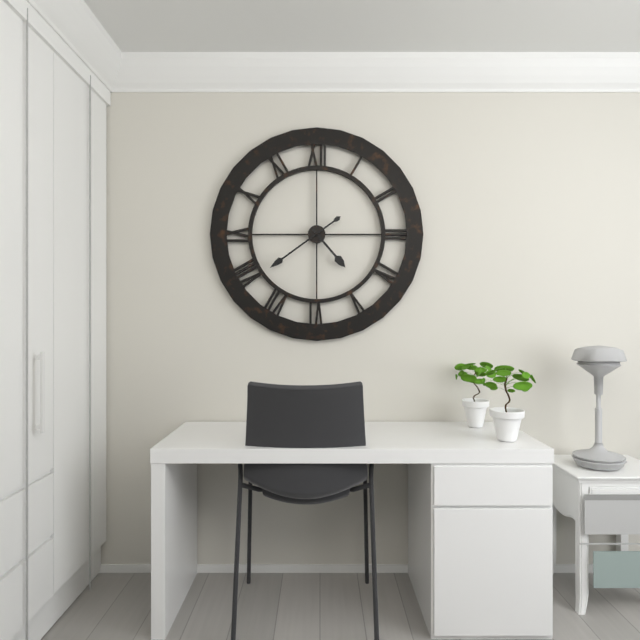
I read {"hour": 4, "minute": 39}
